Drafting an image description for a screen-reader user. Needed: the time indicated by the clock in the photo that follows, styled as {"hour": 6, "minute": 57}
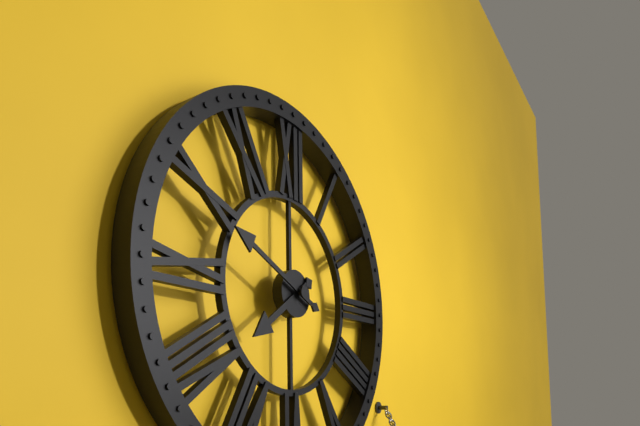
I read {"hour": 7, "minute": 49}
